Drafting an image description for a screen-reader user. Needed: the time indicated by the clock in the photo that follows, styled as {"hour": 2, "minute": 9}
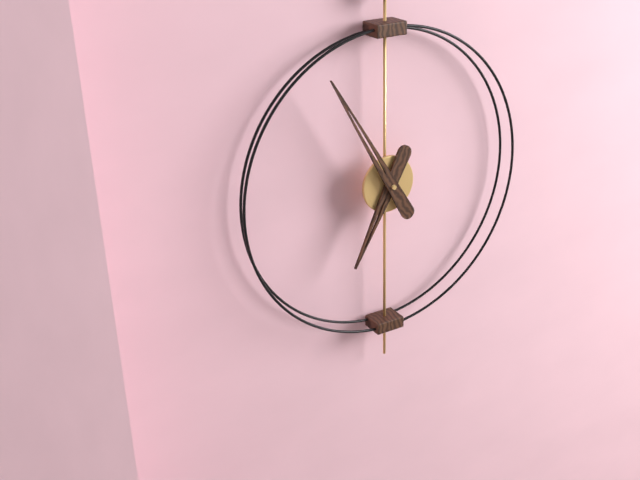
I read {"hour": 6, "minute": 55}
